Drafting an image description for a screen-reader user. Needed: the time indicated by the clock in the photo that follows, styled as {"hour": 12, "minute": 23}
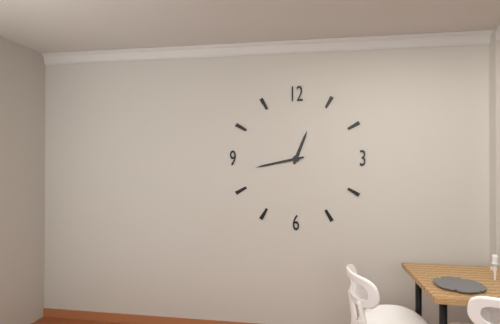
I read {"hour": 12, "minute": 43}
